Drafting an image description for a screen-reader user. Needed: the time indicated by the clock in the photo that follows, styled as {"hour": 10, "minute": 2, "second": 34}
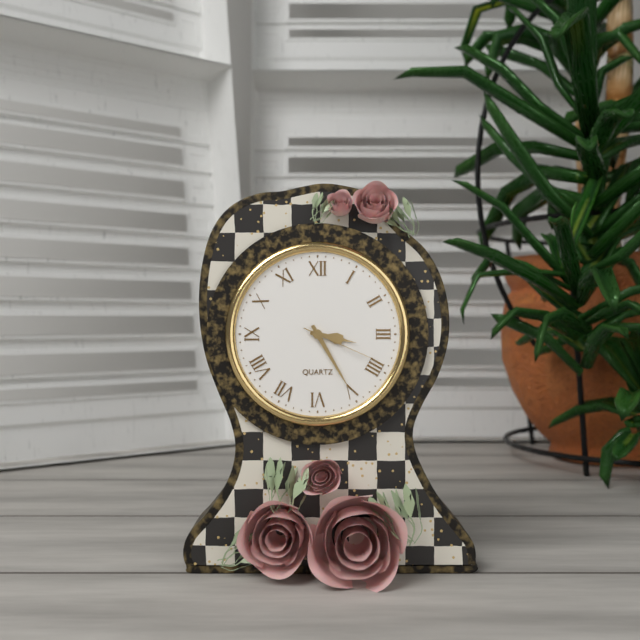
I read {"hour": 3, "minute": 25, "second": 19}
